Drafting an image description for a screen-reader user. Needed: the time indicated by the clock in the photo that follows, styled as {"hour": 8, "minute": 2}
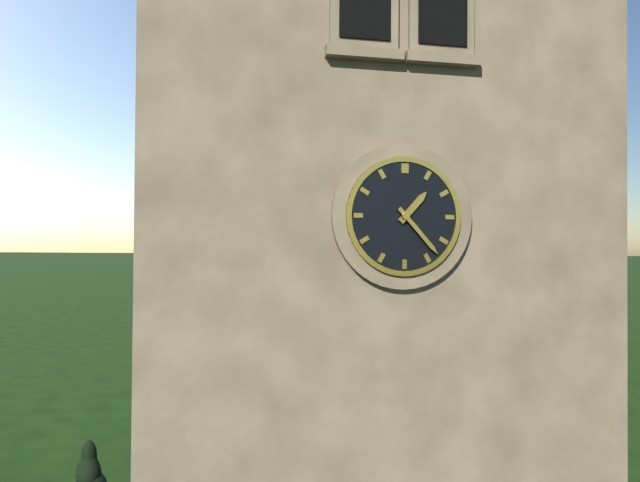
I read {"hour": 1, "minute": 23}
